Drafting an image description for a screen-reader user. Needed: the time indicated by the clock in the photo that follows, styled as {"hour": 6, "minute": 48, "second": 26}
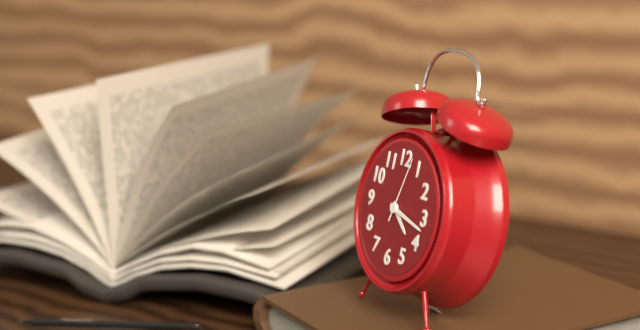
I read {"hour": 4, "minute": 17, "second": 3}
